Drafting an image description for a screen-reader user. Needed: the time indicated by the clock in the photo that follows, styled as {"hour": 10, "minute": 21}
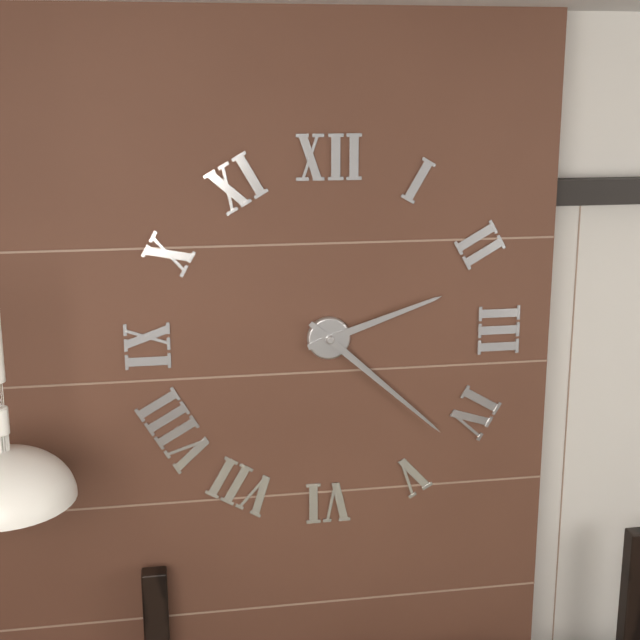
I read {"hour": 2, "minute": 22}
